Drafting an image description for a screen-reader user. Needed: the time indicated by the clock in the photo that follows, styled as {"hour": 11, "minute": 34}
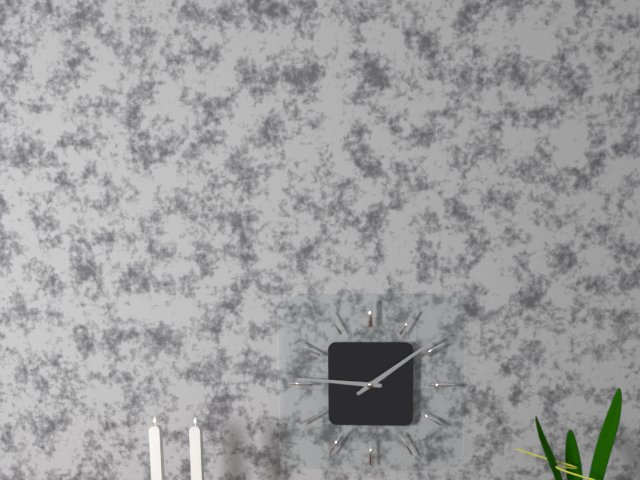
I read {"hour": 9, "minute": 9}
